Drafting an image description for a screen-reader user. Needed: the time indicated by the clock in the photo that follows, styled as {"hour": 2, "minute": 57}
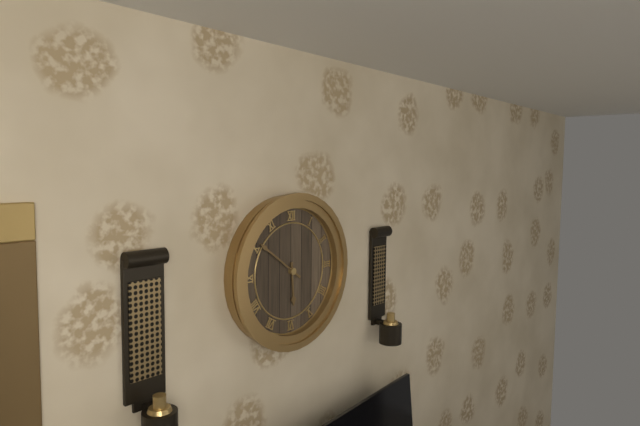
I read {"hour": 5, "minute": 51}
